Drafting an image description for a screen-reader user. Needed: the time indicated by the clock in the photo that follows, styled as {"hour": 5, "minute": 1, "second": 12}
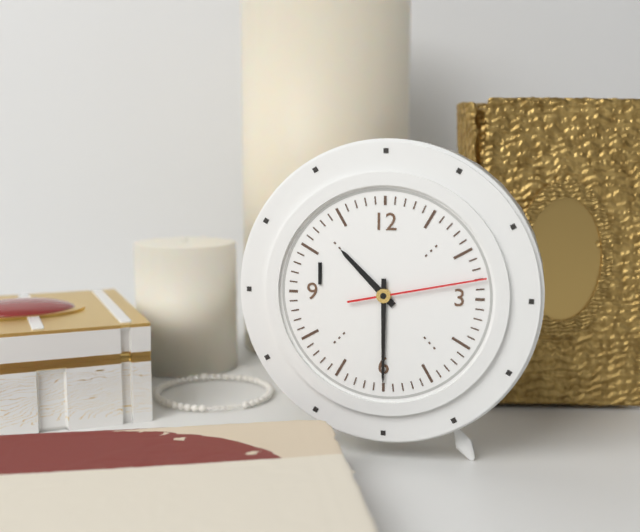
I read {"hour": 10, "minute": 30, "second": 13}
